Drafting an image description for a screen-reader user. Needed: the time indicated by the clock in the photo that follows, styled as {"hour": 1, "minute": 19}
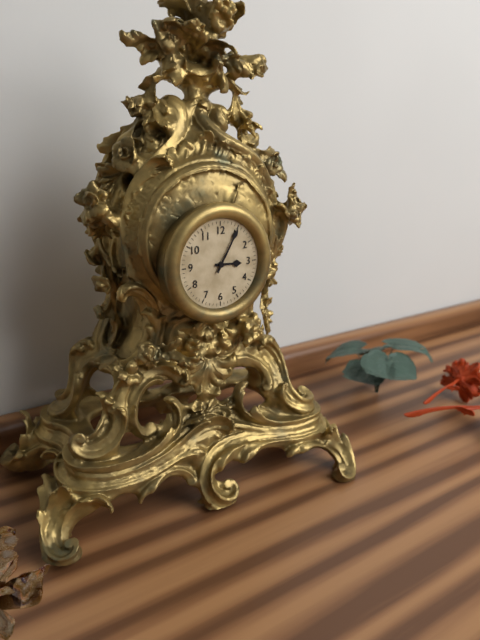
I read {"hour": 3, "minute": 5}
